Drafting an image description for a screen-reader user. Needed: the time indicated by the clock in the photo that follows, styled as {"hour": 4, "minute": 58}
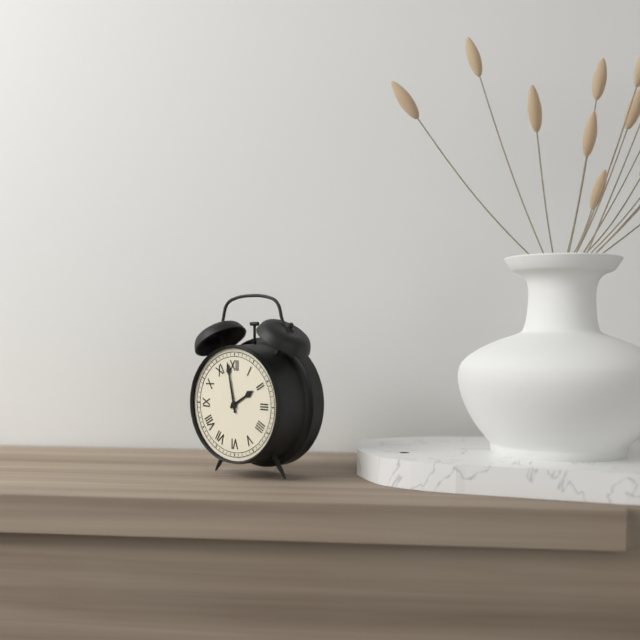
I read {"hour": 1, "minute": 58}
